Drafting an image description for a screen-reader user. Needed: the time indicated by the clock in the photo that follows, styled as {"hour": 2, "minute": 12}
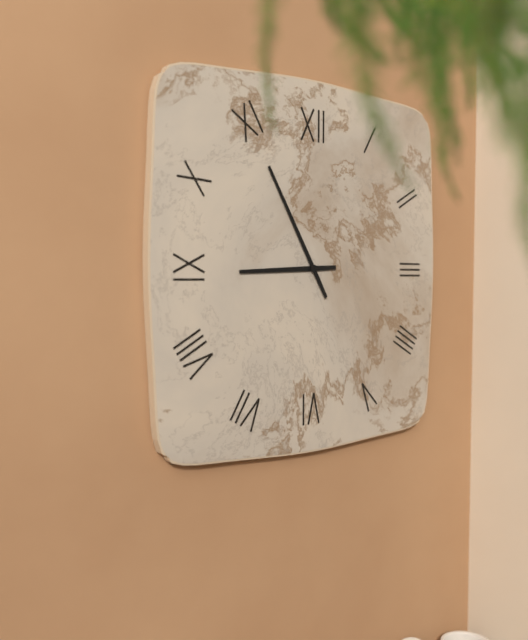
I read {"hour": 8, "minute": 55}
